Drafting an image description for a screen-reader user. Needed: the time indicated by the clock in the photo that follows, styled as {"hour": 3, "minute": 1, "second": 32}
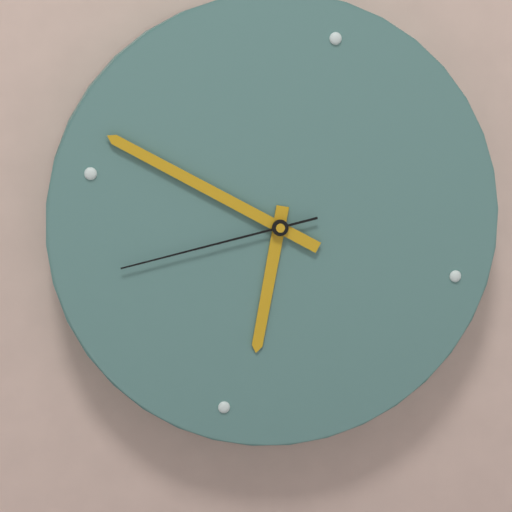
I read {"hour": 5, "minute": 47, "second": 40}
